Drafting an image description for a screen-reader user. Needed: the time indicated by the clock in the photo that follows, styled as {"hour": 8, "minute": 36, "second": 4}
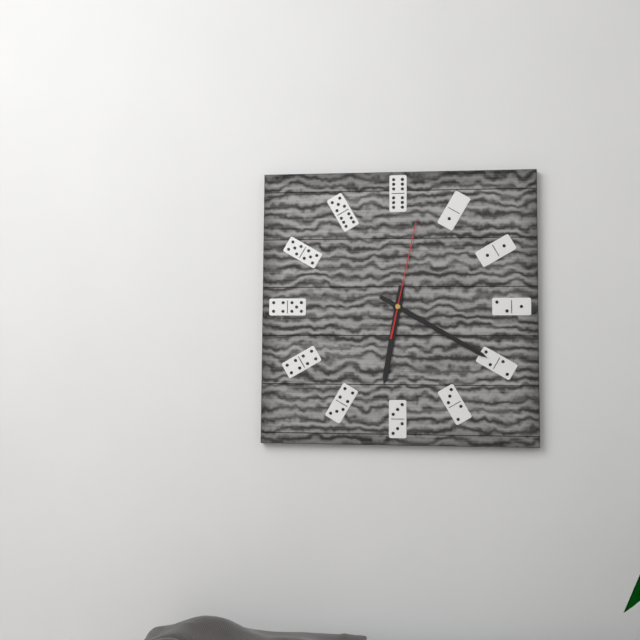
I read {"hour": 6, "minute": 20, "second": 2}
